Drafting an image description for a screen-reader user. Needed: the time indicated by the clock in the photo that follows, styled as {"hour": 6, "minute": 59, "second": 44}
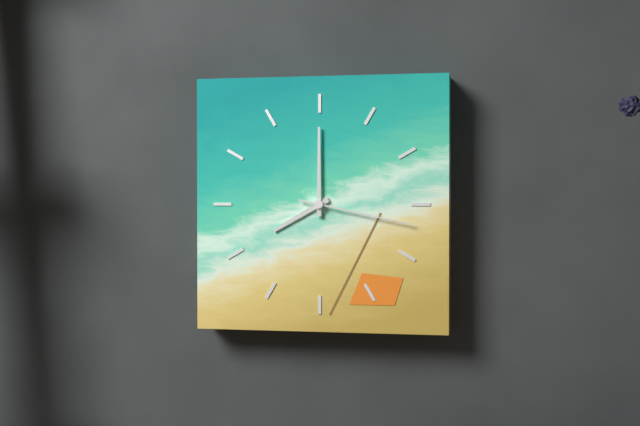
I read {"hour": 8, "minute": 0, "second": 17}
